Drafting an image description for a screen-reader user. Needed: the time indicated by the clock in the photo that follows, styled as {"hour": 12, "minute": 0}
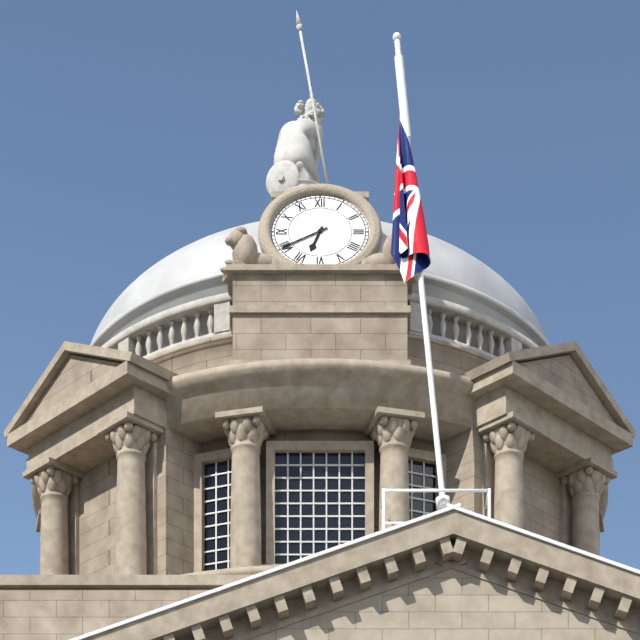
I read {"hour": 6, "minute": 40}
